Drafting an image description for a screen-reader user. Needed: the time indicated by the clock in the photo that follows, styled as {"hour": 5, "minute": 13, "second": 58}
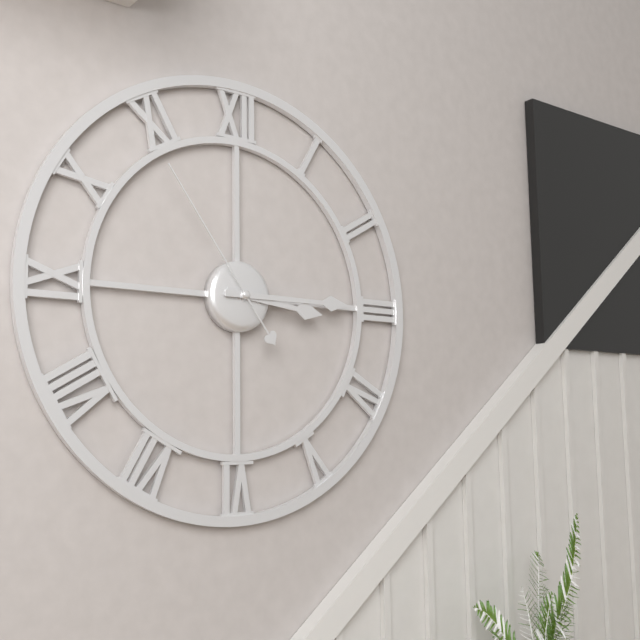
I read {"hour": 3, "minute": 15, "second": 54}
